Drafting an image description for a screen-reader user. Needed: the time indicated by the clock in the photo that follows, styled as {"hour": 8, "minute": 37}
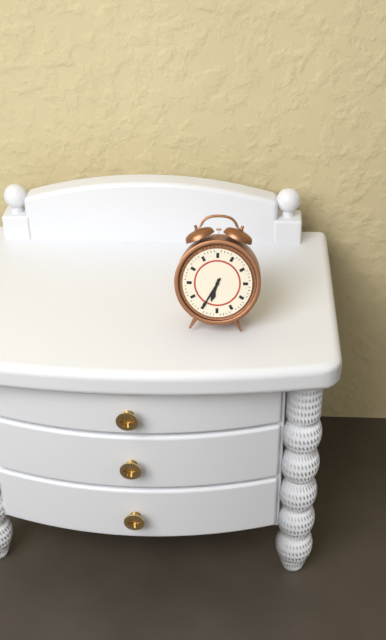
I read {"hour": 6, "minute": 35}
